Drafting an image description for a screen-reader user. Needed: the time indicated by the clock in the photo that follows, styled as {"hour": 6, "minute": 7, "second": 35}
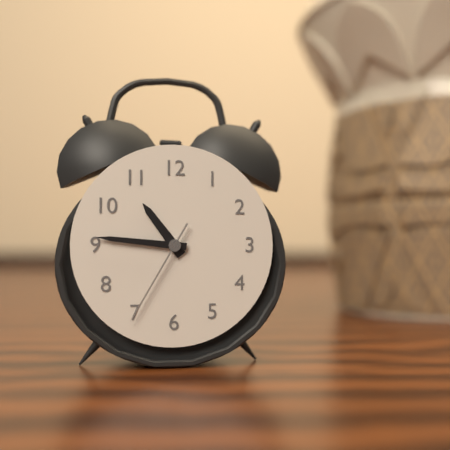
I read {"hour": 10, "minute": 46, "second": 35}
